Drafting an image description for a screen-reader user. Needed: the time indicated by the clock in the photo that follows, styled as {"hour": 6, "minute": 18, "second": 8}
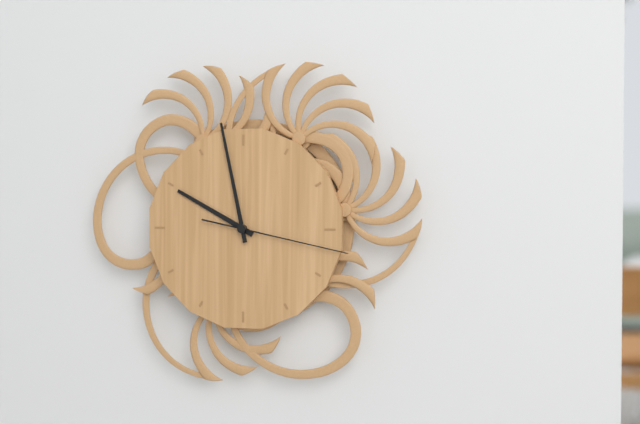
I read {"hour": 9, "minute": 58, "second": 17}
